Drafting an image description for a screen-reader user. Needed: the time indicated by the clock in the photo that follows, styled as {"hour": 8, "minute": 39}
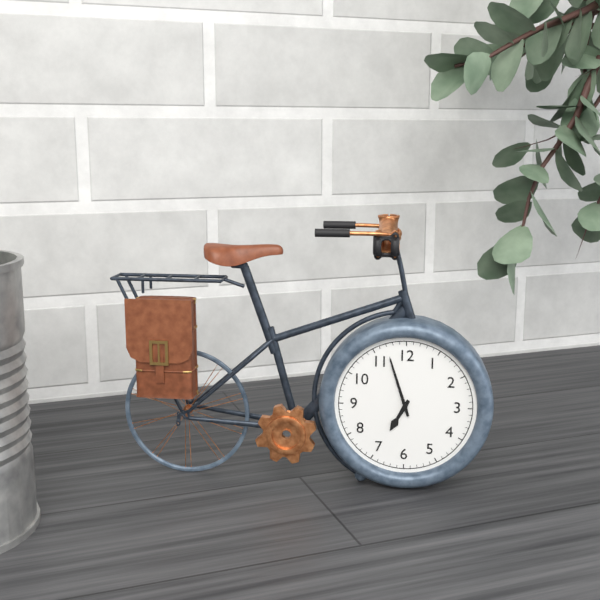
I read {"hour": 6, "minute": 57}
